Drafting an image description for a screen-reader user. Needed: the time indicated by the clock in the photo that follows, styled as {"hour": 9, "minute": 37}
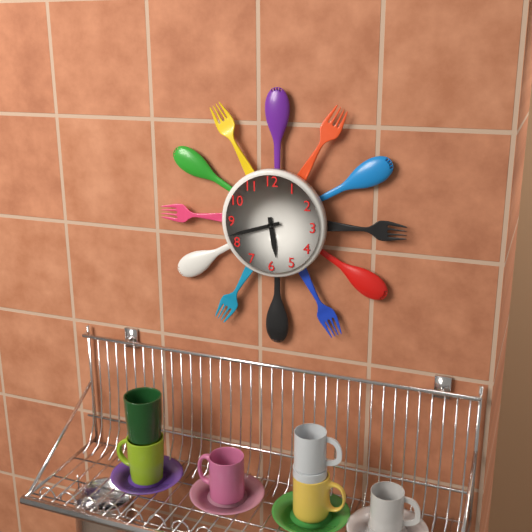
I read {"hour": 5, "minute": 42}
